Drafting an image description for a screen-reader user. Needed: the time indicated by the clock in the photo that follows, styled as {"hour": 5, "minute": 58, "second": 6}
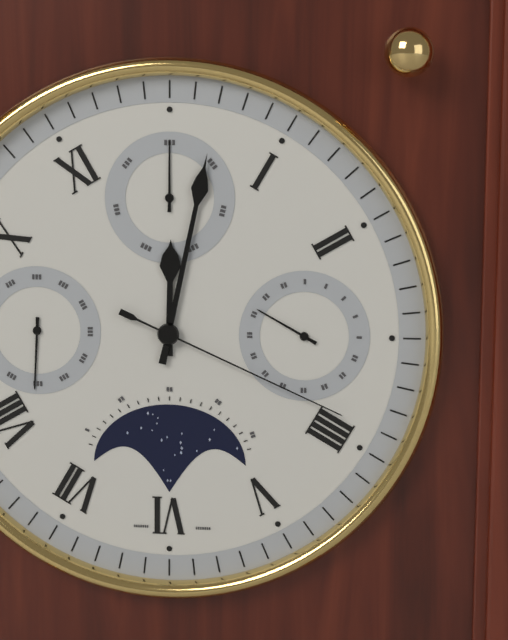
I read {"hour": 12, "minute": 2, "second": 19}
